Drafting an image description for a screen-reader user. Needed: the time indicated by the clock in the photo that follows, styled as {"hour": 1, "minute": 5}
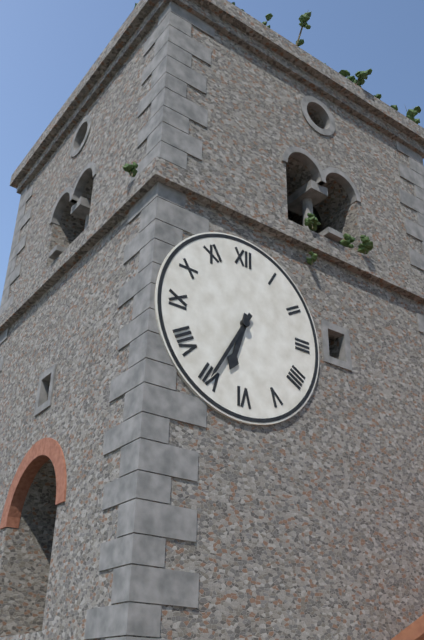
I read {"hour": 6, "minute": 35}
